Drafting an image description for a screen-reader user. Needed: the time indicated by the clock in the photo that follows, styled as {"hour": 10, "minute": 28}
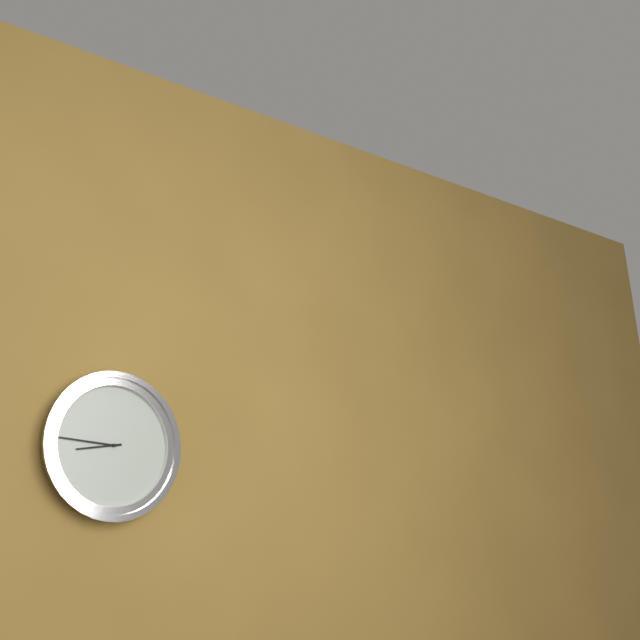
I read {"hour": 8, "minute": 46}
